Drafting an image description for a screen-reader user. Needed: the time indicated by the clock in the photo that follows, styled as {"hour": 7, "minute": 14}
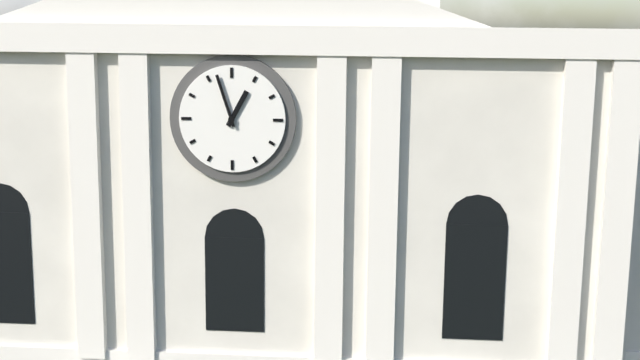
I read {"hour": 12, "minute": 57}
